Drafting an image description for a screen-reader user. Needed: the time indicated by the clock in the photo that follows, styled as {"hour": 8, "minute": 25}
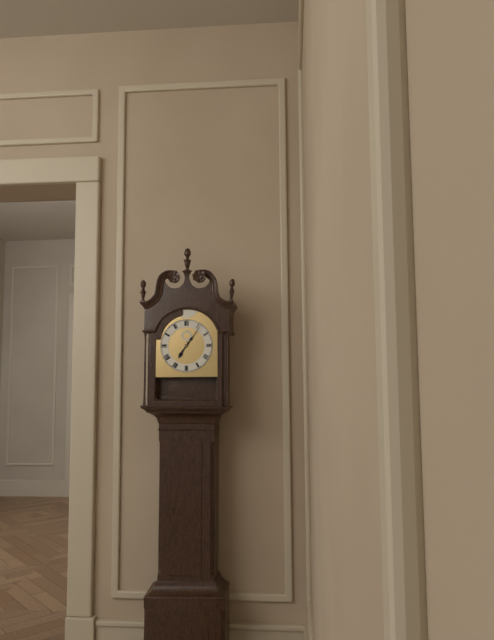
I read {"hour": 7, "minute": 6}
